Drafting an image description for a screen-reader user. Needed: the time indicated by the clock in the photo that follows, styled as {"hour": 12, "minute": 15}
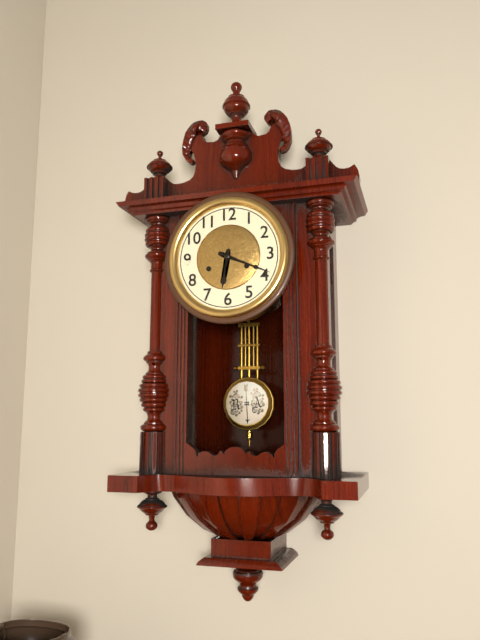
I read {"hour": 6, "minute": 19}
